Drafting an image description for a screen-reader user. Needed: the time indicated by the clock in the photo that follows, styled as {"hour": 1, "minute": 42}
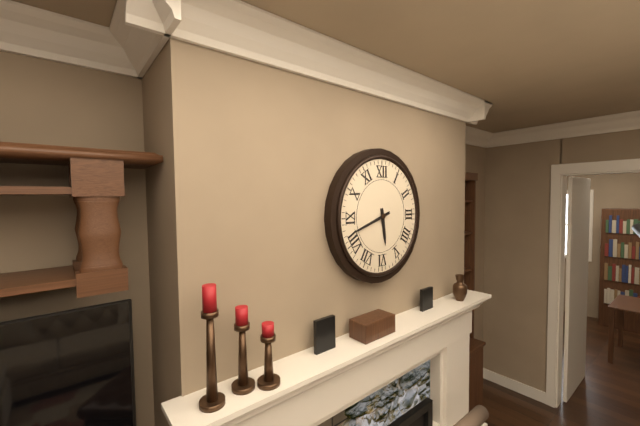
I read {"hour": 5, "minute": 42}
